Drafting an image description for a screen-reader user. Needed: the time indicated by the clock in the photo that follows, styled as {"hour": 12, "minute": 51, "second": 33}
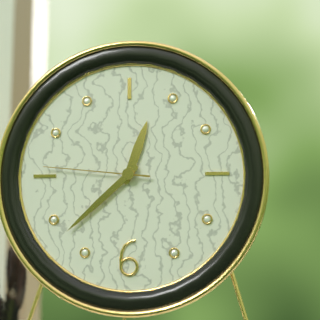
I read {"hour": 12, "minute": 38, "second": 46}
